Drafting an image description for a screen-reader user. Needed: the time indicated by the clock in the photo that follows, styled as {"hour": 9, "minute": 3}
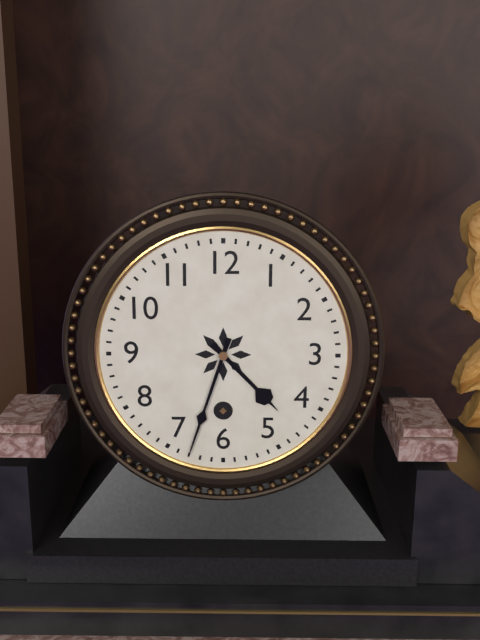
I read {"hour": 4, "minute": 33}
